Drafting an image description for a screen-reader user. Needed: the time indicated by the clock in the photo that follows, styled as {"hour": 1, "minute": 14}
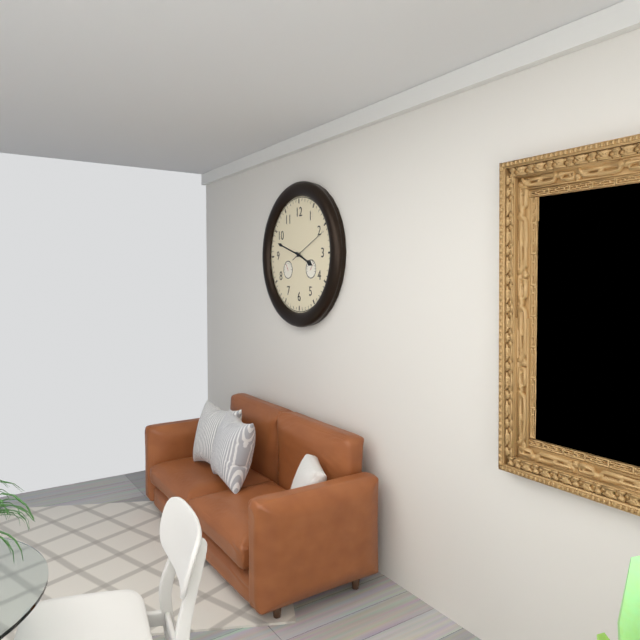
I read {"hour": 3, "minute": 48}
